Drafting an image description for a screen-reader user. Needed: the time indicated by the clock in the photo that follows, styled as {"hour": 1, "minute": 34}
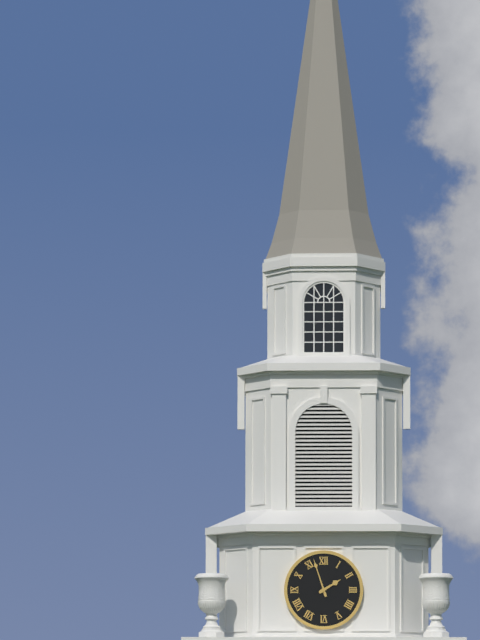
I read {"hour": 1, "minute": 57}
